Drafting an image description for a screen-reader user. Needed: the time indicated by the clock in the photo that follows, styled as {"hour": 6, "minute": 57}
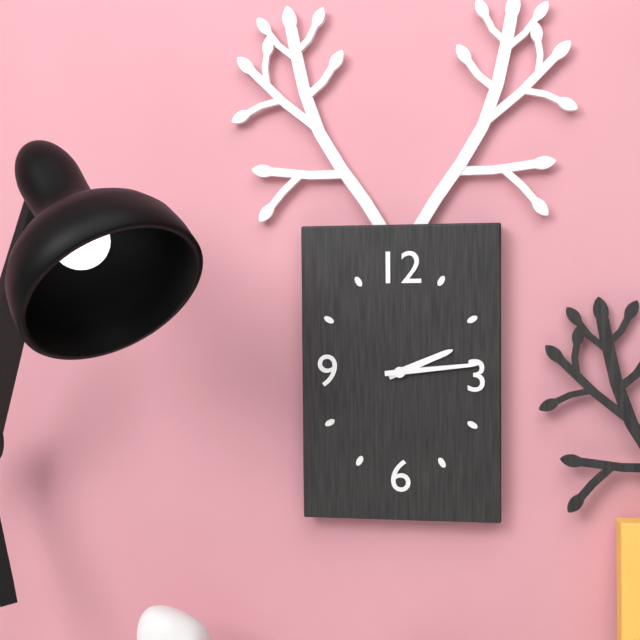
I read {"hour": 2, "minute": 14}
